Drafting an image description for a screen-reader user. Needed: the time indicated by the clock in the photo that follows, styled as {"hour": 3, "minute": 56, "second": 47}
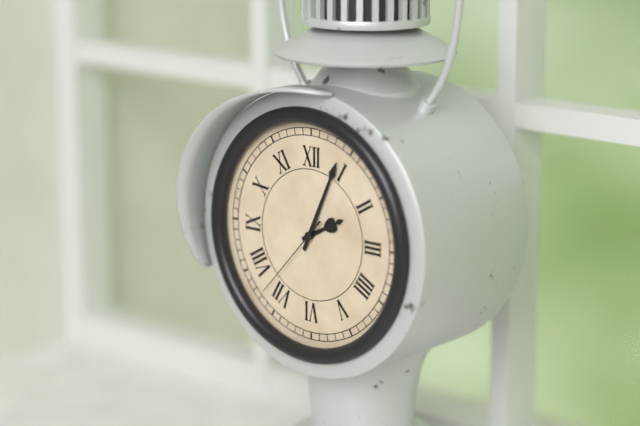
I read {"hour": 2, "minute": 4, "second": 37}
